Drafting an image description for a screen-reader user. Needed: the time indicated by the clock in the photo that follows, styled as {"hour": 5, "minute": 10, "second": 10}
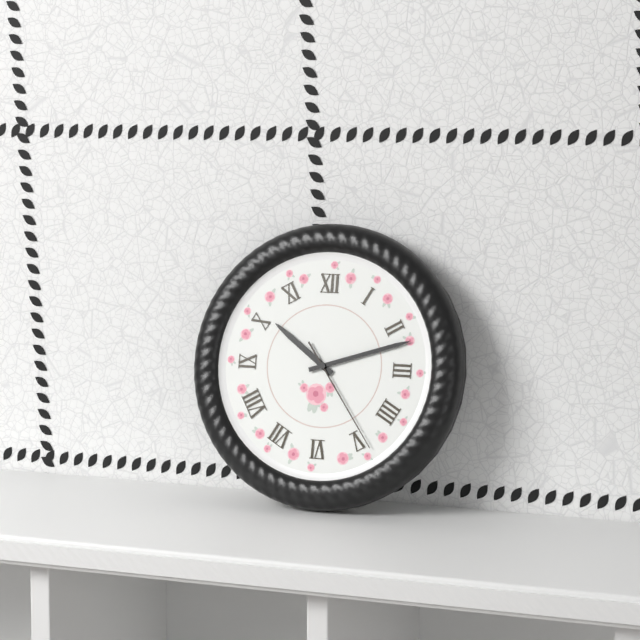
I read {"hour": 10, "minute": 12, "second": 24}
